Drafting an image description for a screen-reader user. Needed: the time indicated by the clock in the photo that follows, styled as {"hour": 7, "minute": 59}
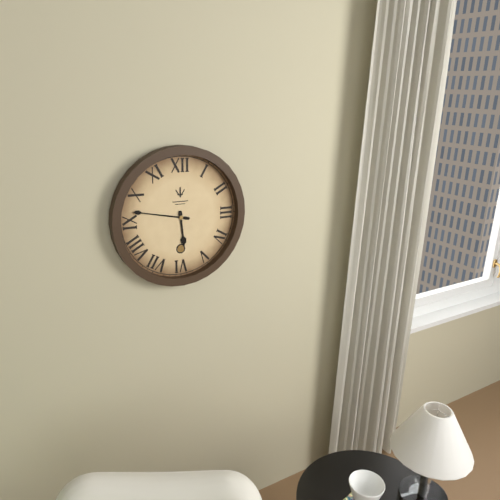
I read {"hour": 5, "minute": 47}
